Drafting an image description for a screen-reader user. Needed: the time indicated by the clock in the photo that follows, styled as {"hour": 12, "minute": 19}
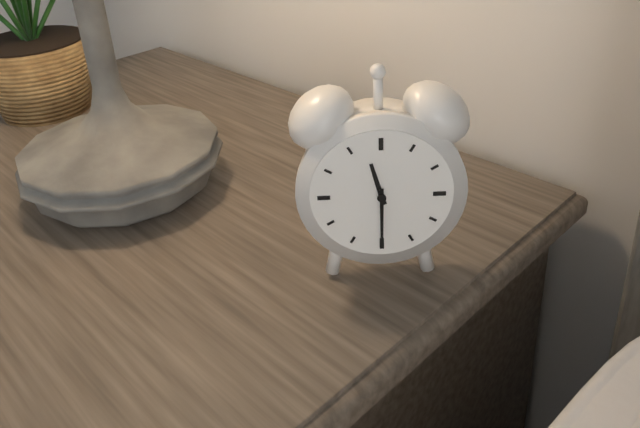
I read {"hour": 11, "minute": 30}
